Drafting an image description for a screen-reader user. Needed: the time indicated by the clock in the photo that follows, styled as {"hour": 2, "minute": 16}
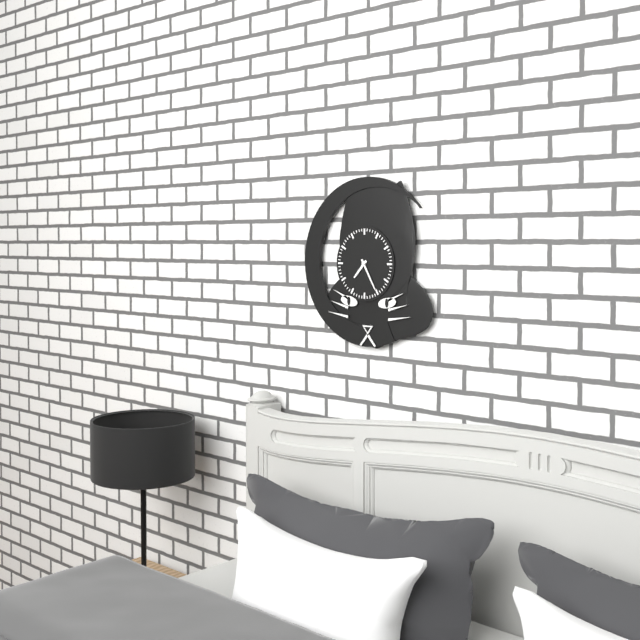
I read {"hour": 7, "minute": 25}
